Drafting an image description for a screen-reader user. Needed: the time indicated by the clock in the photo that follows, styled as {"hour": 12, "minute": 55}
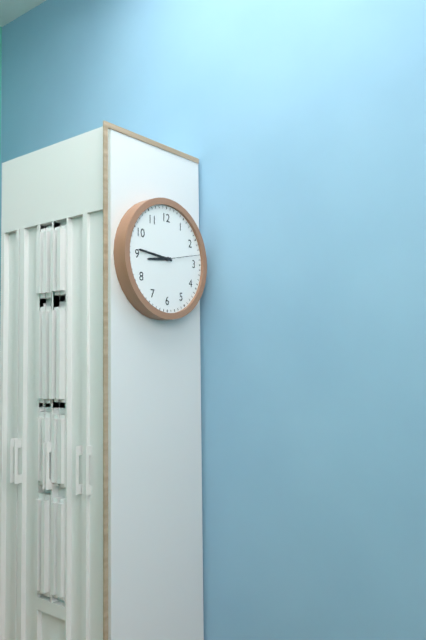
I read {"hour": 8, "minute": 46}
